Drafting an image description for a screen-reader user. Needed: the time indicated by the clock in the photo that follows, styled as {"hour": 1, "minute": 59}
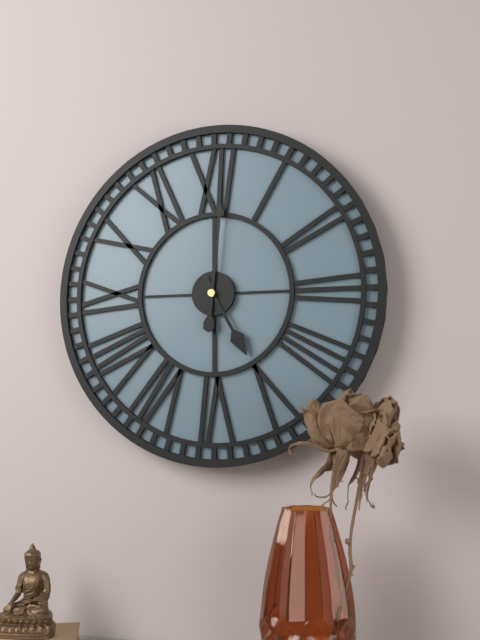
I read {"hour": 5, "minute": 1}
